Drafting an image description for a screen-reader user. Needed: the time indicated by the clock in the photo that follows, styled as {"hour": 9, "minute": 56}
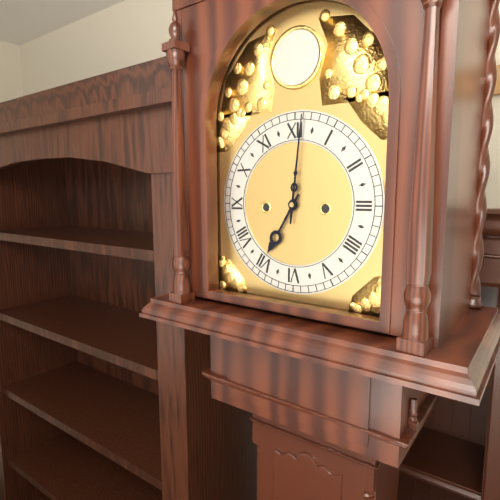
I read {"hour": 7, "minute": 1}
